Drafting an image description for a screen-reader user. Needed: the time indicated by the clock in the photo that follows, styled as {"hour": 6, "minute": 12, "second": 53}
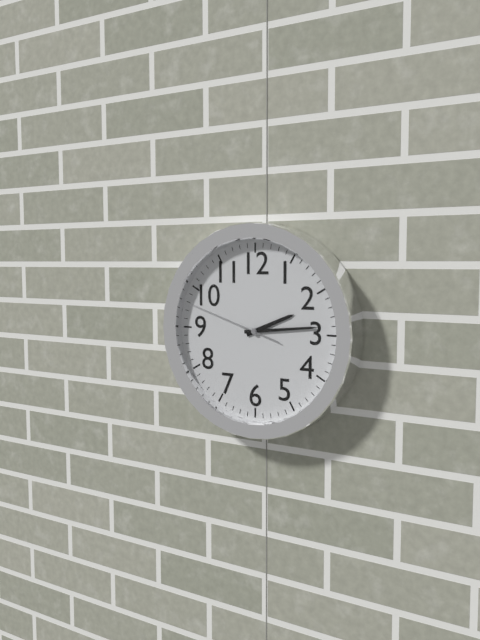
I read {"hour": 2, "minute": 14, "second": 48}
